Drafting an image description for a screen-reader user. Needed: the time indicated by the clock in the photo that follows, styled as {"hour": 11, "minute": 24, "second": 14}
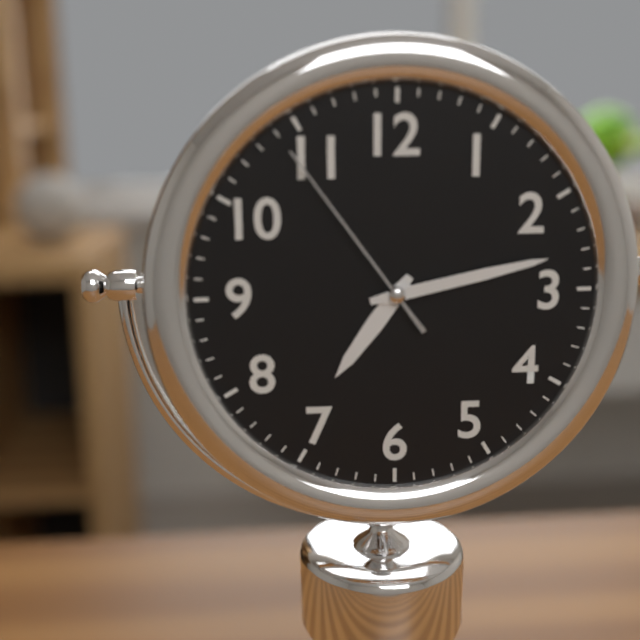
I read {"hour": 7, "minute": 13, "second": 54}
